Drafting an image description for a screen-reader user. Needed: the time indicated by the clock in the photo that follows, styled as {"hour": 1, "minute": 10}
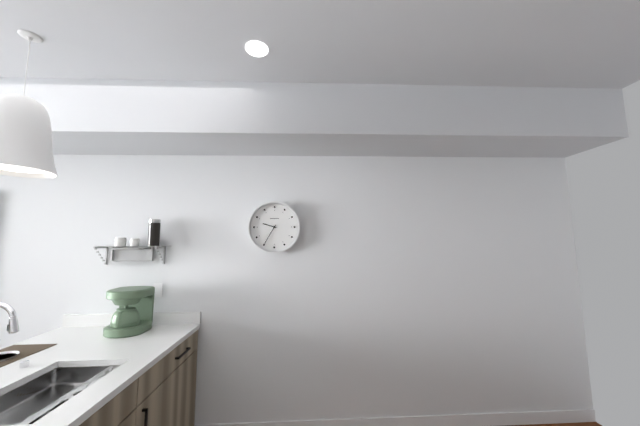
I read {"hour": 9, "minute": 35}
